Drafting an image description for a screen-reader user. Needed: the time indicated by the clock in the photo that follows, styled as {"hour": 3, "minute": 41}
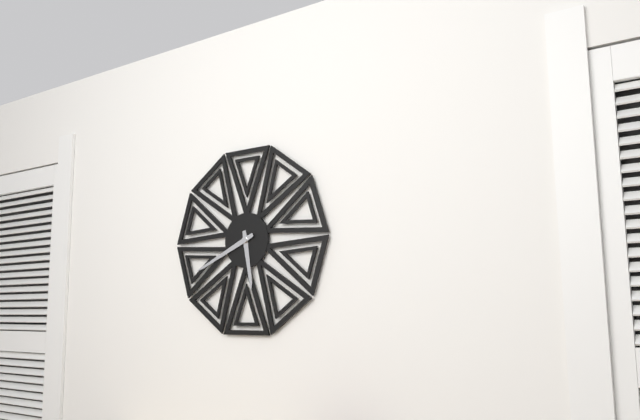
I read {"hour": 5, "minute": 41}
